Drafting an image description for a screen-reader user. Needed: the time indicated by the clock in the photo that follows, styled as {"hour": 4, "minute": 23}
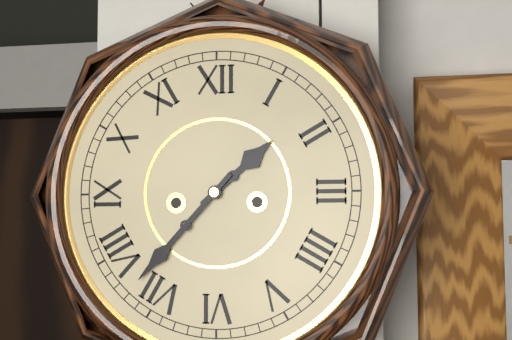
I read {"hour": 1, "minute": 37}
